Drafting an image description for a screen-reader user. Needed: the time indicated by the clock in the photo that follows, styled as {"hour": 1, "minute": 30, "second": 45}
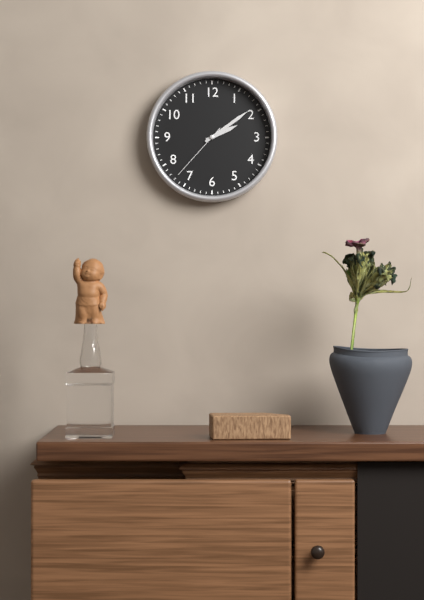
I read {"hour": 2, "minute": 9, "second": 37}
